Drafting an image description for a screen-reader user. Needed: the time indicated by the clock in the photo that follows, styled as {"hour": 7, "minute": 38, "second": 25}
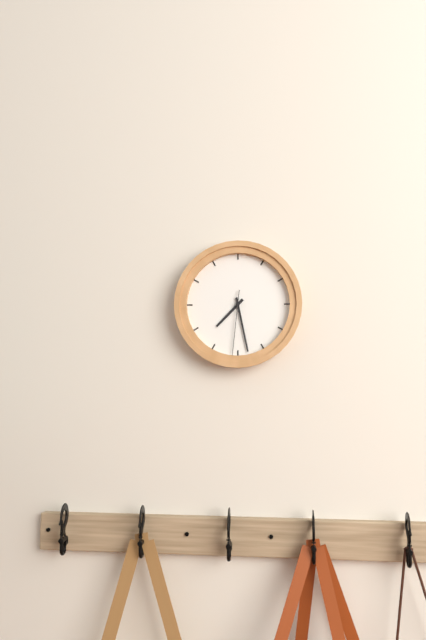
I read {"hour": 7, "minute": 28, "second": 31}
